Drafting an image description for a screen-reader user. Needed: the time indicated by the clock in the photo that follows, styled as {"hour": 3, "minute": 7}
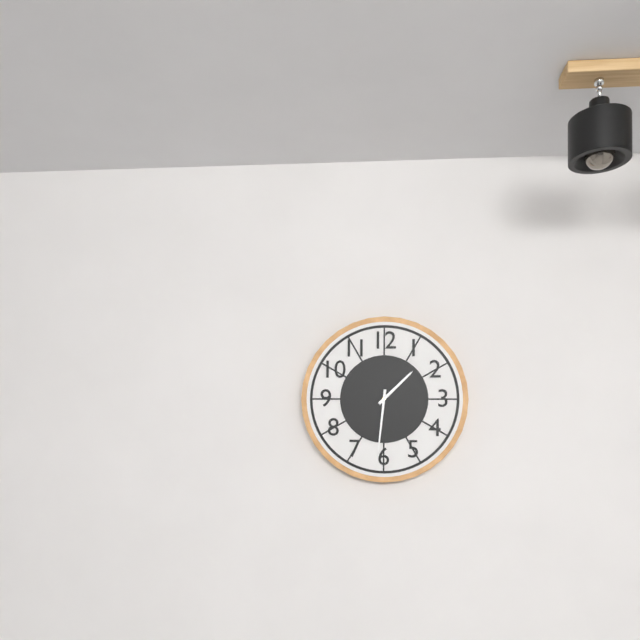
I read {"hour": 1, "minute": 31}
